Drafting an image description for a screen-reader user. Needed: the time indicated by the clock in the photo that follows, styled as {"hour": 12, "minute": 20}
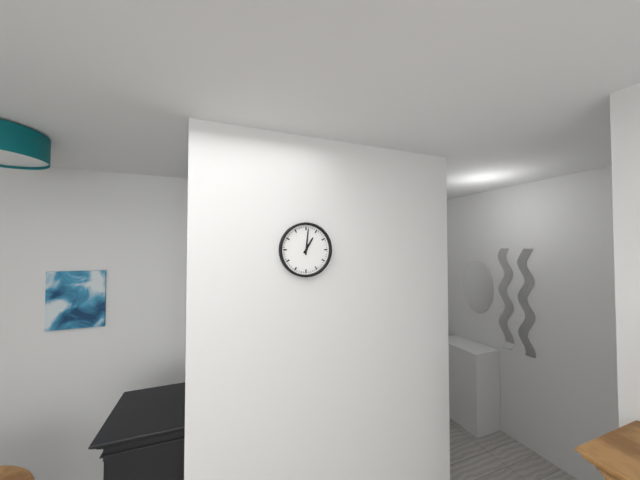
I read {"hour": 1, "minute": 1}
